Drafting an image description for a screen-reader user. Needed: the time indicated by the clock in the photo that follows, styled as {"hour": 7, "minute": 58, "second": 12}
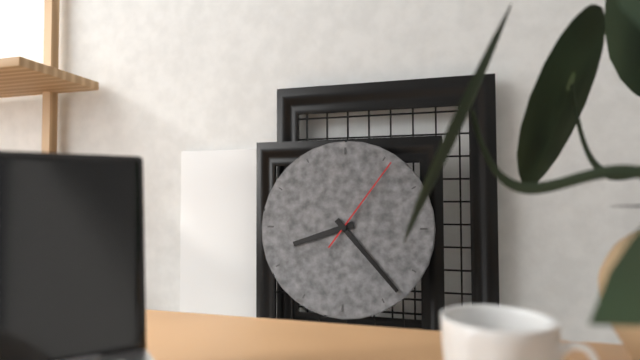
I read {"hour": 8, "minute": 23, "second": 6}
